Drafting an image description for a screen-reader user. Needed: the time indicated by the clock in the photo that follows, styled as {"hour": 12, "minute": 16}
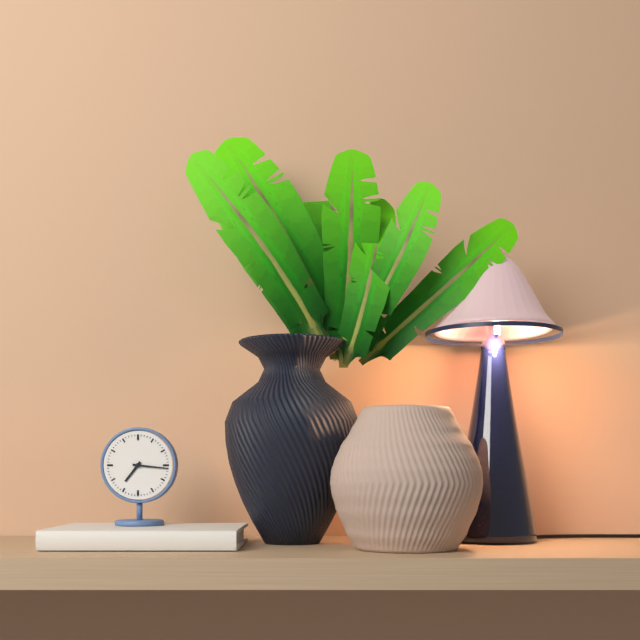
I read {"hour": 7, "minute": 16}
